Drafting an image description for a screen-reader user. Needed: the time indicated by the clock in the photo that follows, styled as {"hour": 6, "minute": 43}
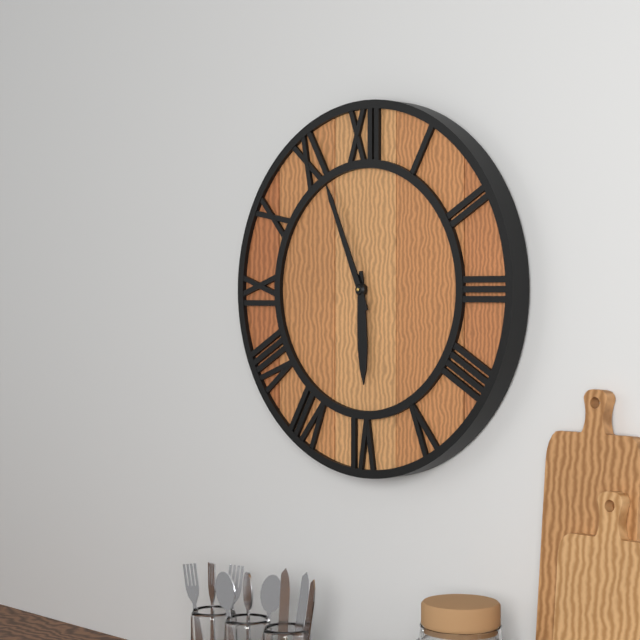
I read {"hour": 5, "minute": 56}
